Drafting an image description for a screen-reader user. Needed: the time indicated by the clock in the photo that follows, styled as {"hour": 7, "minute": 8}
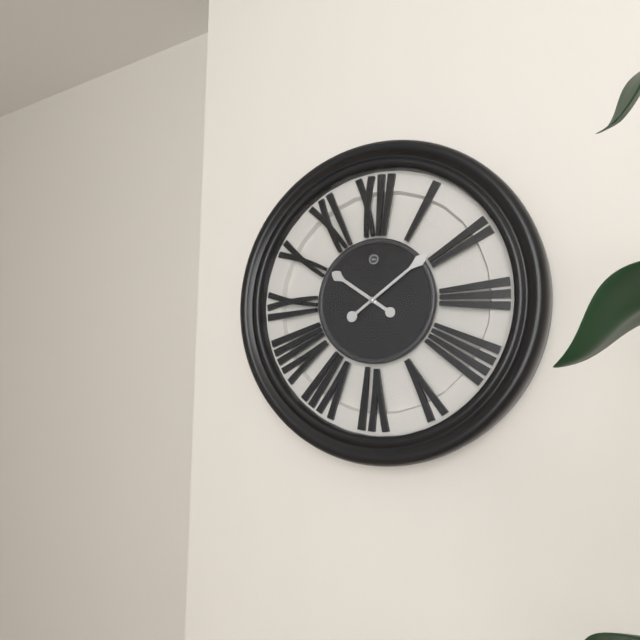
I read {"hour": 10, "minute": 9}
